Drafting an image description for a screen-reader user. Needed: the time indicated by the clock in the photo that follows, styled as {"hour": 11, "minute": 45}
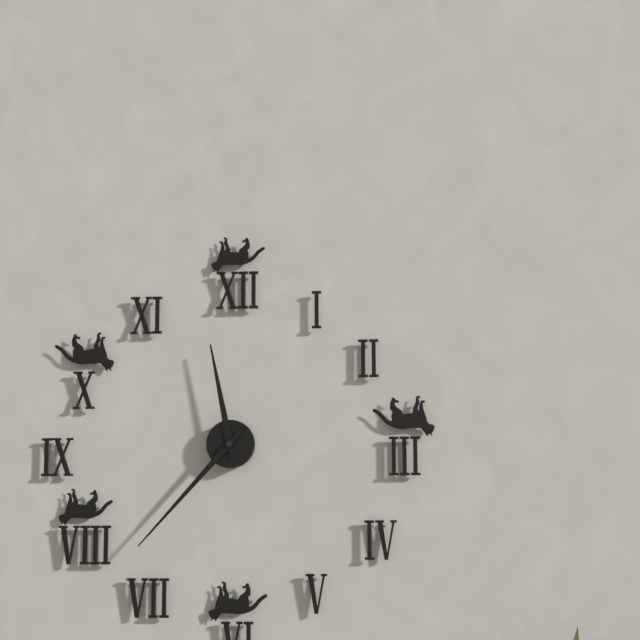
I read {"hour": 11, "minute": 37}
